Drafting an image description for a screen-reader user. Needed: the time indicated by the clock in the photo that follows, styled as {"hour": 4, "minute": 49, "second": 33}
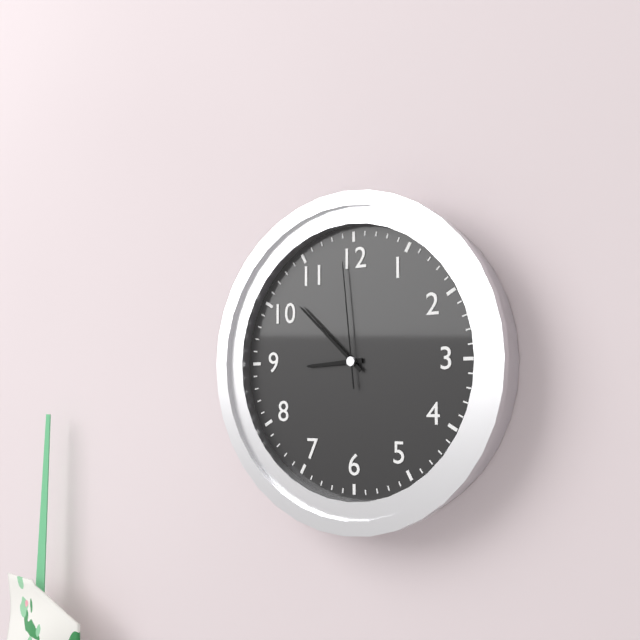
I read {"hour": 8, "minute": 52, "second": 59}
